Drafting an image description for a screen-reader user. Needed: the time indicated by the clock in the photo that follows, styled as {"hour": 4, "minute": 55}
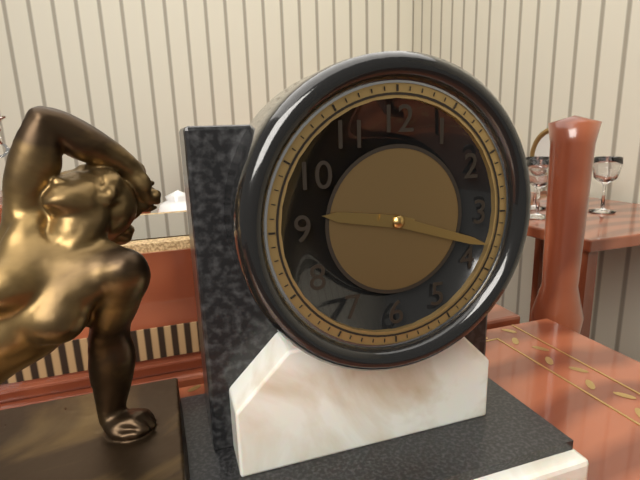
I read {"hour": 9, "minute": 18}
